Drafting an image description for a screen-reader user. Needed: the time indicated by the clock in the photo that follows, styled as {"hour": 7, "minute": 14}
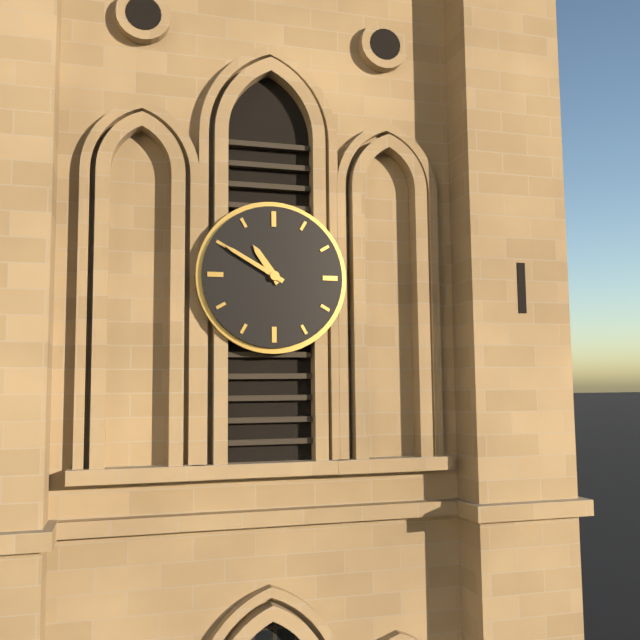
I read {"hour": 10, "minute": 50}
